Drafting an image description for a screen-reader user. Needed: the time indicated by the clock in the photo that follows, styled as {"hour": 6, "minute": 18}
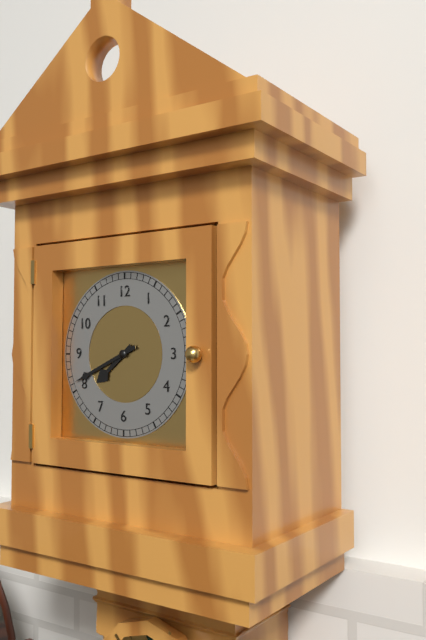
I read {"hour": 7, "minute": 41}
